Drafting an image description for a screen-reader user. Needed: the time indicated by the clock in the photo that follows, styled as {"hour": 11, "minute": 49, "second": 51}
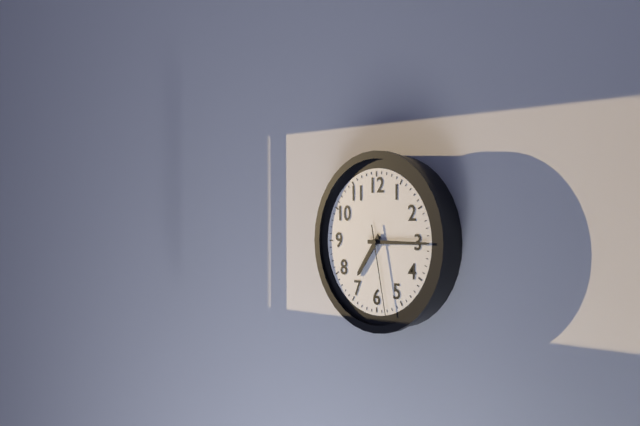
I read {"hour": 7, "minute": 15, "second": 28}
